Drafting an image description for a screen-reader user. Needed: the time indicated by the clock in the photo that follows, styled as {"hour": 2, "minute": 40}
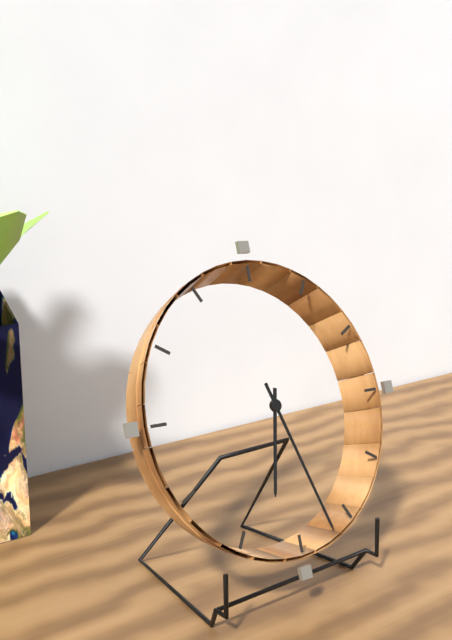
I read {"hour": 6, "minute": 27}
